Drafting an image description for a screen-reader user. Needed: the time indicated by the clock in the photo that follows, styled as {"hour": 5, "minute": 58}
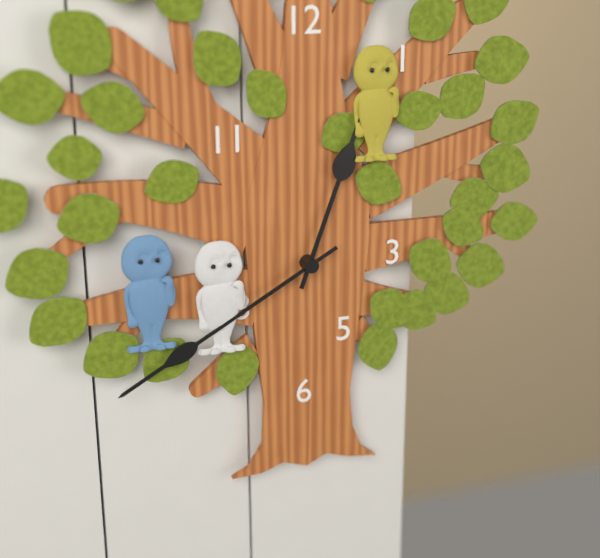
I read {"hour": 12, "minute": 40}
